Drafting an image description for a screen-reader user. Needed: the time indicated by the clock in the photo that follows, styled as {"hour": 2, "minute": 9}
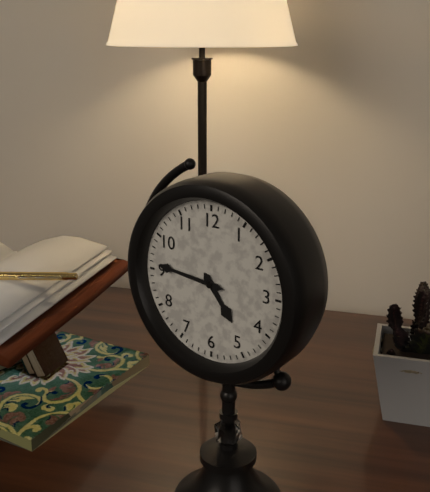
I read {"hour": 4, "minute": 46}
